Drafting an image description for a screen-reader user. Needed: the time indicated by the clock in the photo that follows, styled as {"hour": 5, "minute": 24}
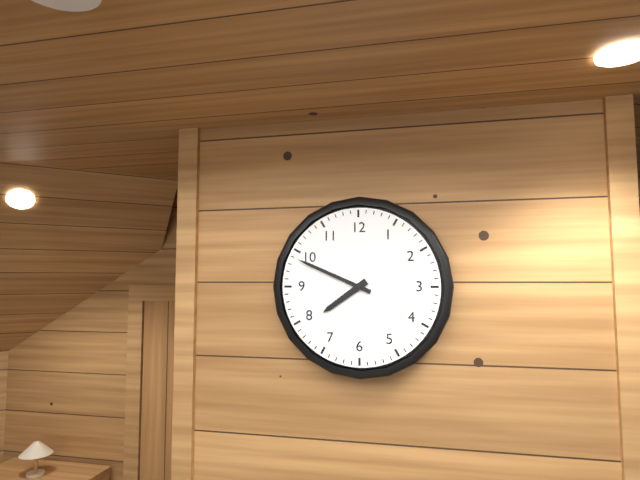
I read {"hour": 7, "minute": 49}
